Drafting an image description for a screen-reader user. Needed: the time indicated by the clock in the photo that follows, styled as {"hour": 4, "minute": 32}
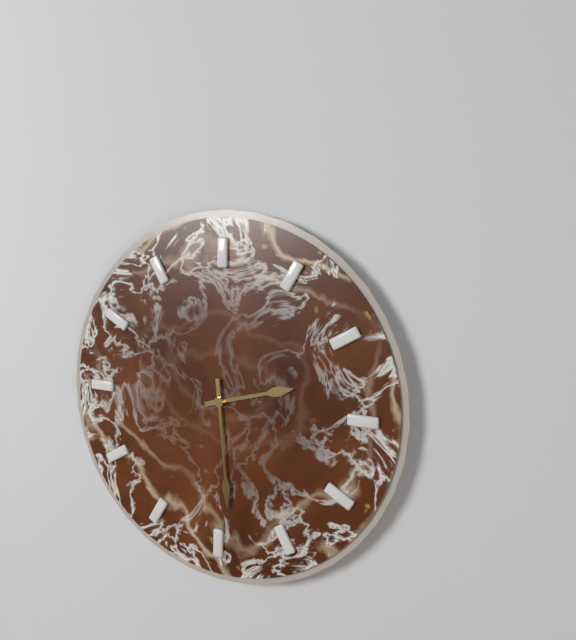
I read {"hour": 2, "minute": 29}
